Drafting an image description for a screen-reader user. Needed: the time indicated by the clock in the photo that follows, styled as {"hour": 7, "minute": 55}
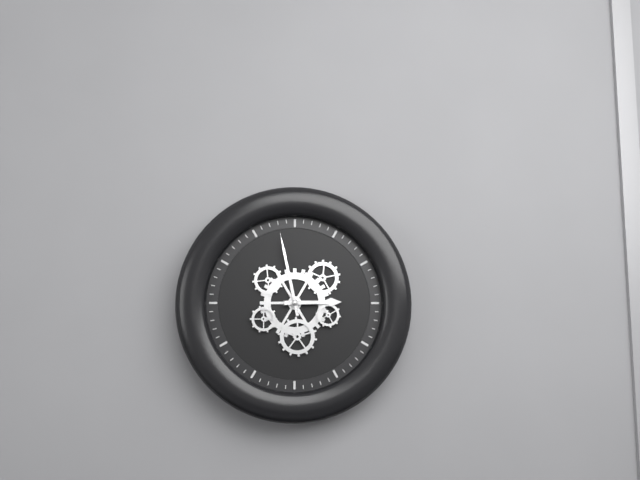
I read {"hour": 2, "minute": 58}
